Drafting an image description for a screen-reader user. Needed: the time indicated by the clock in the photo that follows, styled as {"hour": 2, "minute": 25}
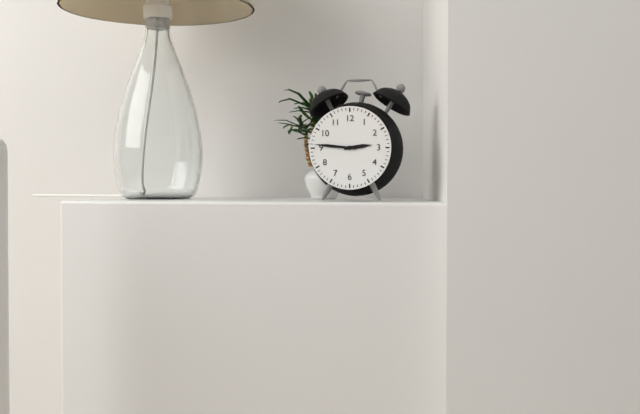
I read {"hour": 2, "minute": 46}
